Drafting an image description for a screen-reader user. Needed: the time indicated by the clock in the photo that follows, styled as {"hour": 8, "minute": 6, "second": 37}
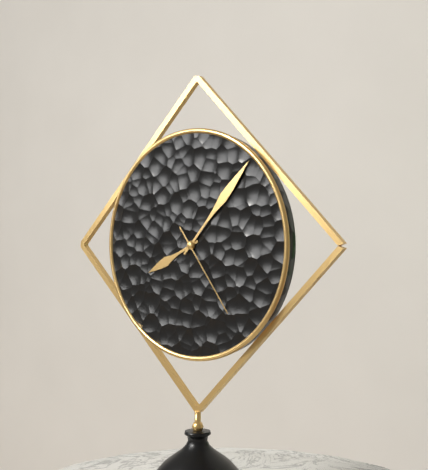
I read {"hour": 8, "minute": 7, "second": 24}
